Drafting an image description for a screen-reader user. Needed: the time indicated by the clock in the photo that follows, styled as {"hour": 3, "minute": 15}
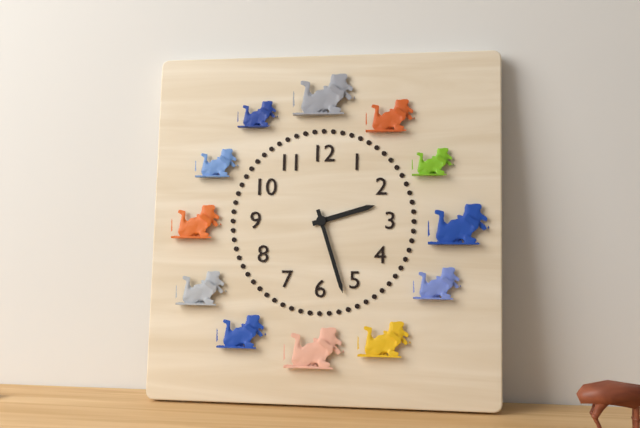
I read {"hour": 2, "minute": 27}
